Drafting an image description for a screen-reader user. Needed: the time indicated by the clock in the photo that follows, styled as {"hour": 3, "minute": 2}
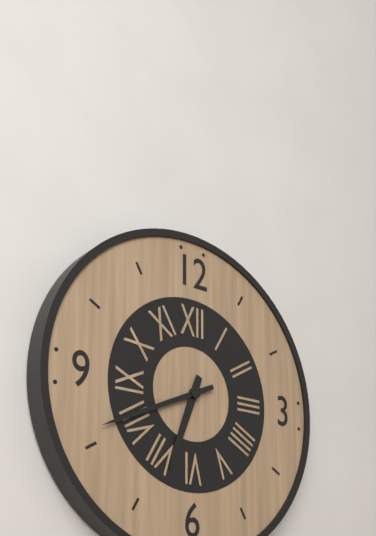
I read {"hour": 6, "minute": 41}
